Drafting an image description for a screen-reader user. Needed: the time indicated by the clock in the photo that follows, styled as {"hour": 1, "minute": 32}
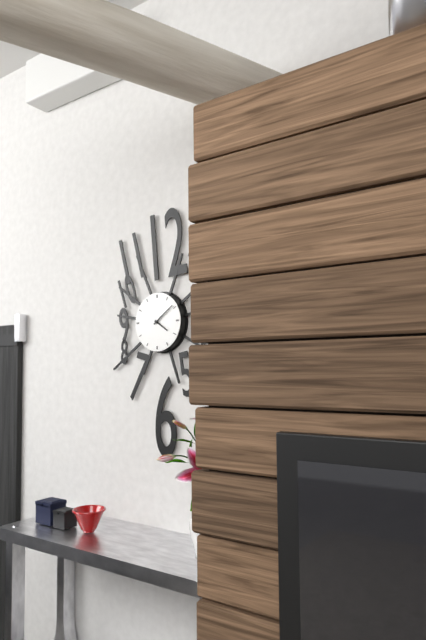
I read {"hour": 4, "minute": 9}
